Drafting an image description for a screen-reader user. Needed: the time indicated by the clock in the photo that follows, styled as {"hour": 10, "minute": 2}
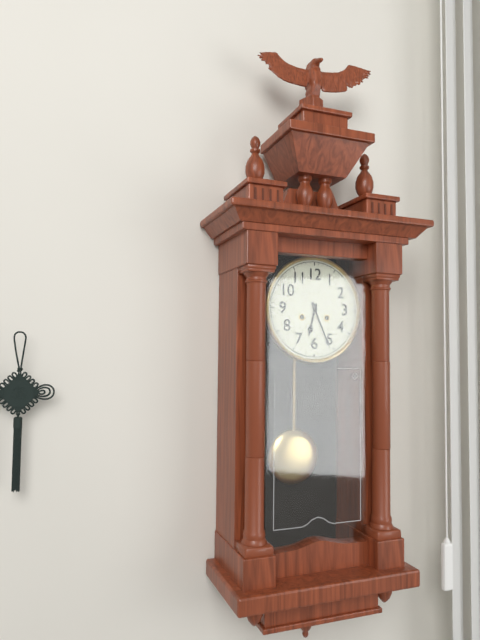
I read {"hour": 6, "minute": 26}
